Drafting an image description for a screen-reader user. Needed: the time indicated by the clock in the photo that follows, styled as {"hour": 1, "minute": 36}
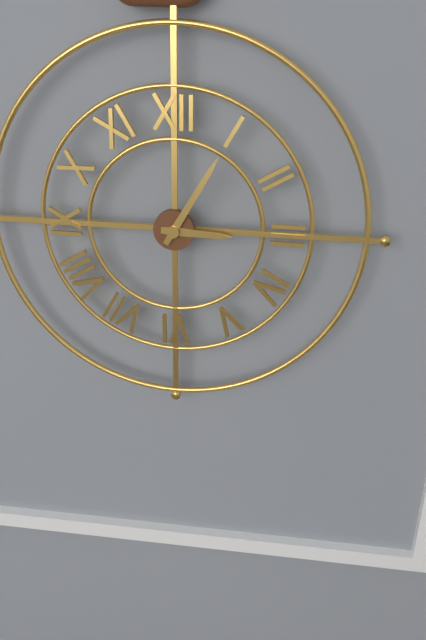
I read {"hour": 3, "minute": 5}
